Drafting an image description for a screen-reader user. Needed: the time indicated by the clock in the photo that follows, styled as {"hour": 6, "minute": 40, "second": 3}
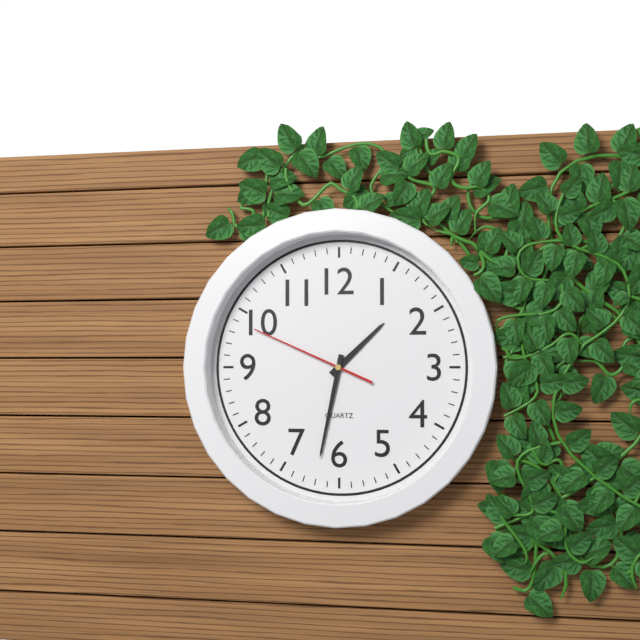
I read {"hour": 1, "minute": 32, "second": 49}
